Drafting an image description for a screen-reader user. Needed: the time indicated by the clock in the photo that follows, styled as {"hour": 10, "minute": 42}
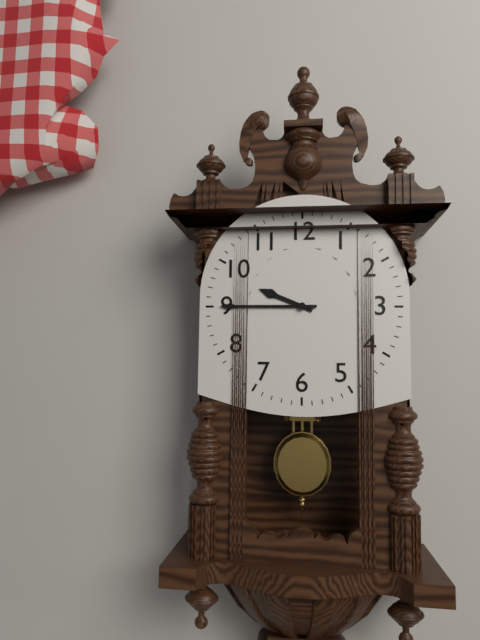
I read {"hour": 9, "minute": 45}
